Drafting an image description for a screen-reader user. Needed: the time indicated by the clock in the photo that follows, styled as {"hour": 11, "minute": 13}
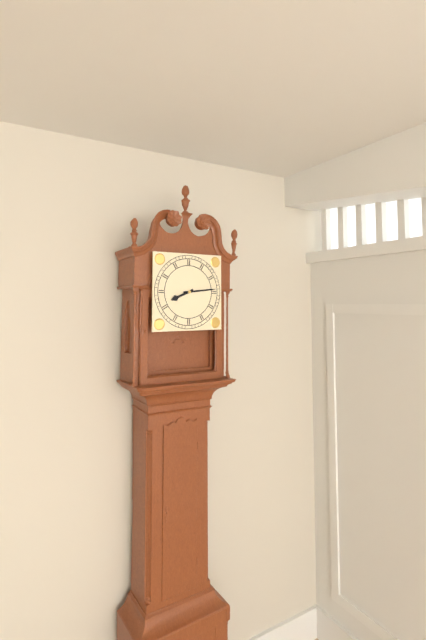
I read {"hour": 8, "minute": 14}
